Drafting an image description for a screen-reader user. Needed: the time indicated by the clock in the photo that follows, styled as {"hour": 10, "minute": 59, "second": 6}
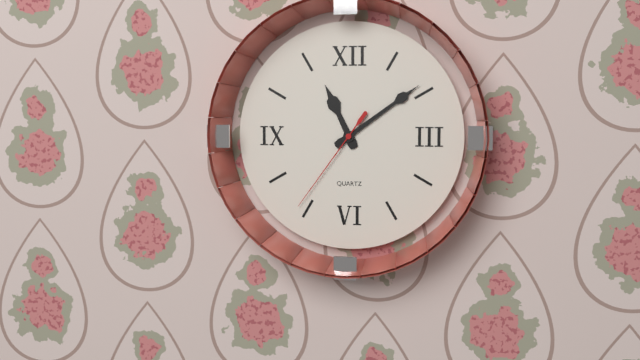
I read {"hour": 11, "minute": 9, "second": 36}
